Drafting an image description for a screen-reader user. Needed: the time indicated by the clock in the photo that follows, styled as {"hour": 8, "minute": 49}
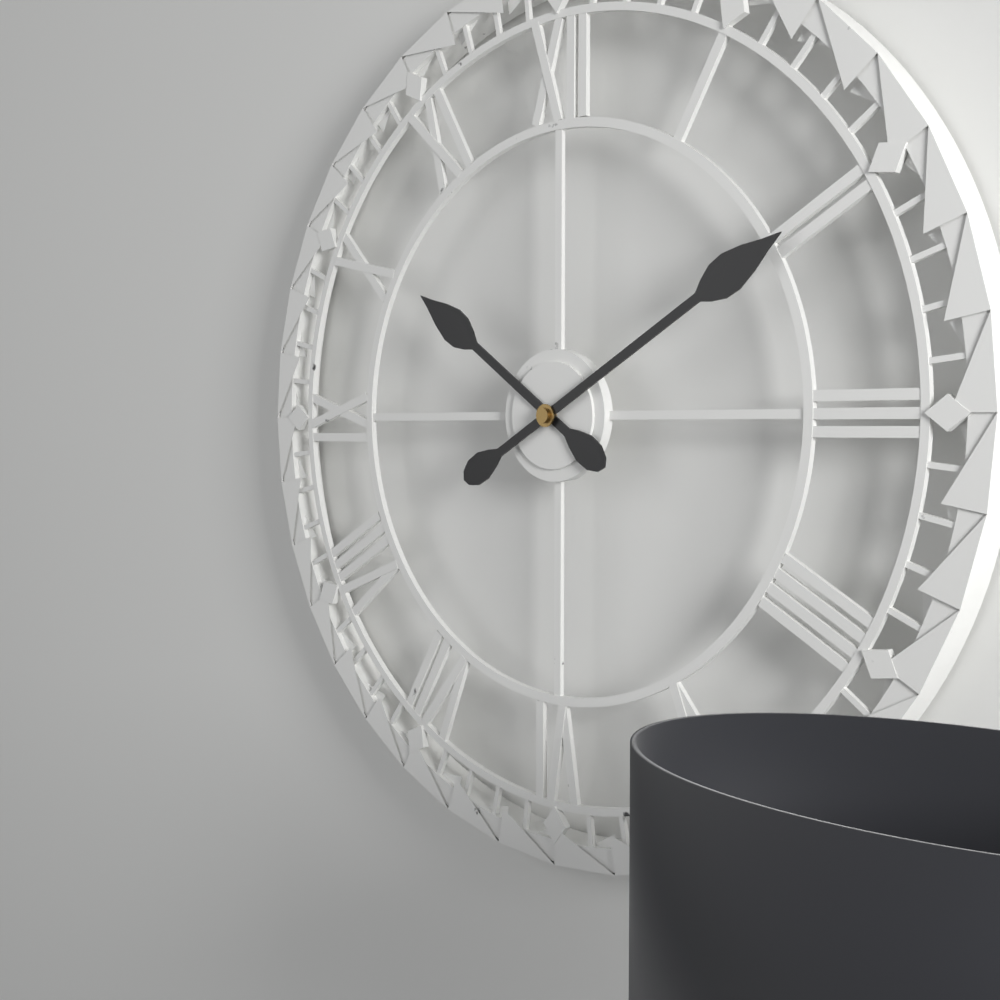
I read {"hour": 10, "minute": 10}
